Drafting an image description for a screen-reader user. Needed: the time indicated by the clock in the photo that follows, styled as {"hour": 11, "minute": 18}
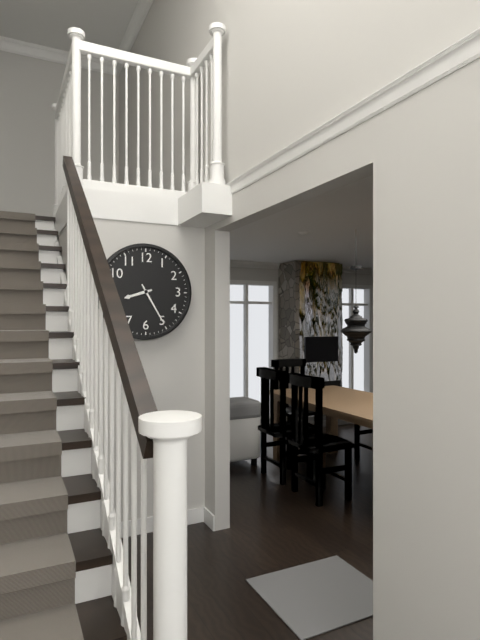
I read {"hour": 8, "minute": 25}
